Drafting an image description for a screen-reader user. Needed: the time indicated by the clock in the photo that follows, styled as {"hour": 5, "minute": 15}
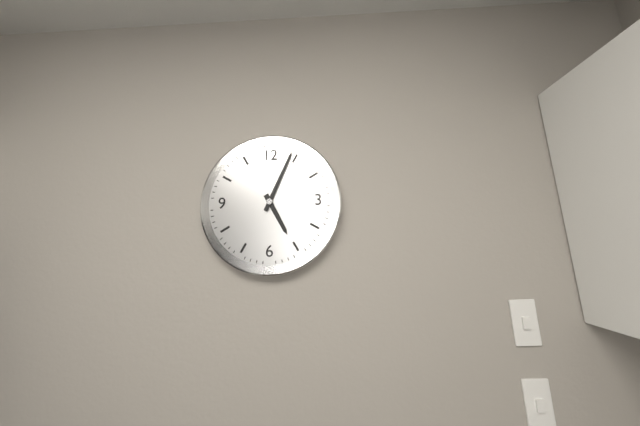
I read {"hour": 5, "minute": 4}
